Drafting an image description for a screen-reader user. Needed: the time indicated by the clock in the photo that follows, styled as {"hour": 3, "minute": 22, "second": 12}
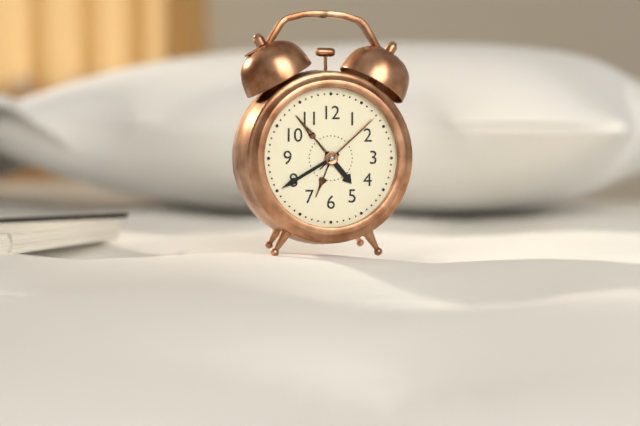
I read {"hour": 4, "minute": 40, "second": 8}
